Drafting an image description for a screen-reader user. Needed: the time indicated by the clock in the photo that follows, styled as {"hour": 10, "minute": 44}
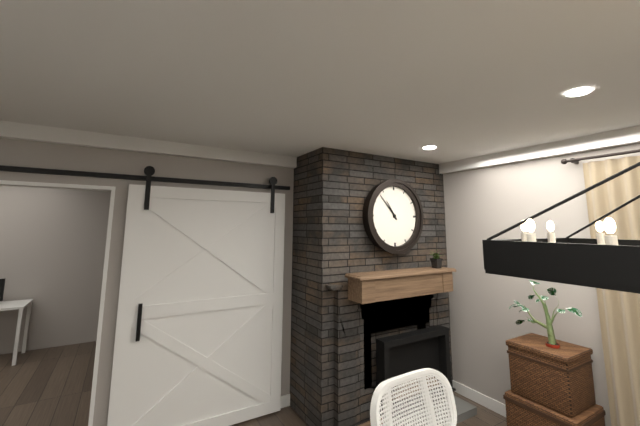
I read {"hour": 10, "minute": 53}
